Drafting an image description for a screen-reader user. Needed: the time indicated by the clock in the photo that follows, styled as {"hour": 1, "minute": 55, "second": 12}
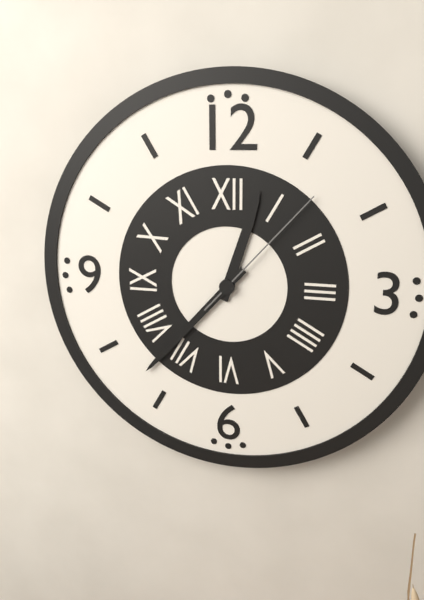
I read {"hour": 12, "minute": 37, "second": 7}
